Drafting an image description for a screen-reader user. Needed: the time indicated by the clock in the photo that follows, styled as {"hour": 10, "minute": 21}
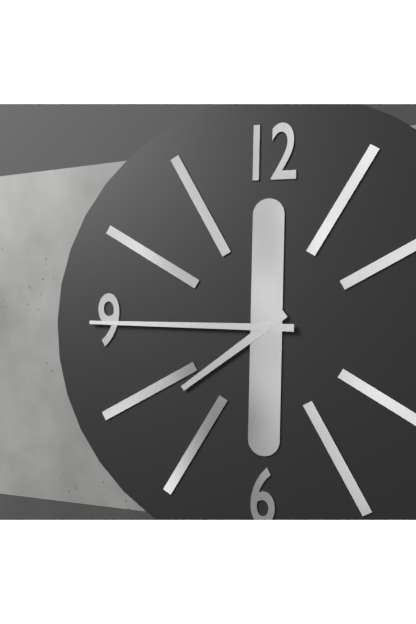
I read {"hour": 7, "minute": 45}
